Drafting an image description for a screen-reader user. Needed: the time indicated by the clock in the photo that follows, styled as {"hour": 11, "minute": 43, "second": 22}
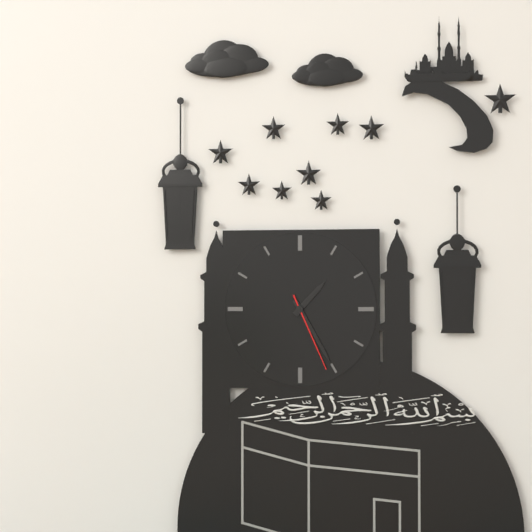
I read {"hour": 1, "minute": 25, "second": 26}
